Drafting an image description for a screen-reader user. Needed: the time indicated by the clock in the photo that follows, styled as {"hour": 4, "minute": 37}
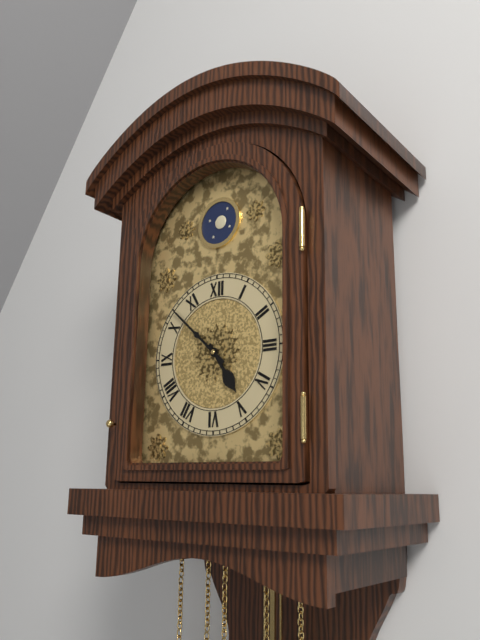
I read {"hour": 4, "minute": 52}
